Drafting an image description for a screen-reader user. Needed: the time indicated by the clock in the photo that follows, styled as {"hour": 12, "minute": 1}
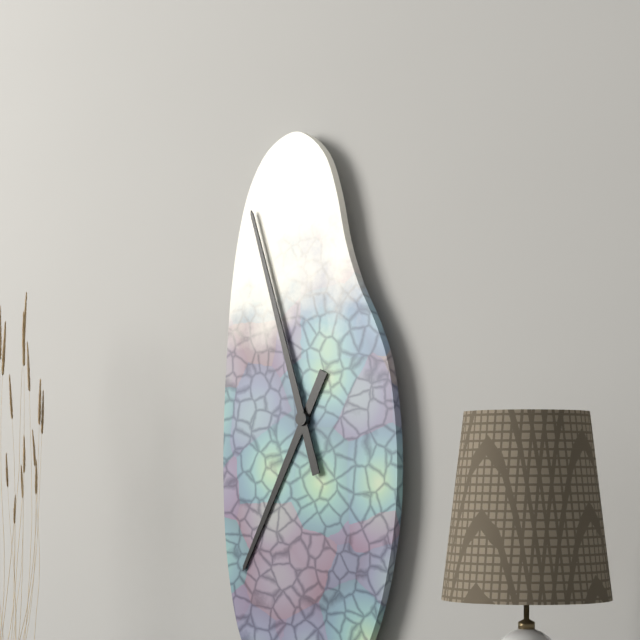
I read {"hour": 6, "minute": 57}
